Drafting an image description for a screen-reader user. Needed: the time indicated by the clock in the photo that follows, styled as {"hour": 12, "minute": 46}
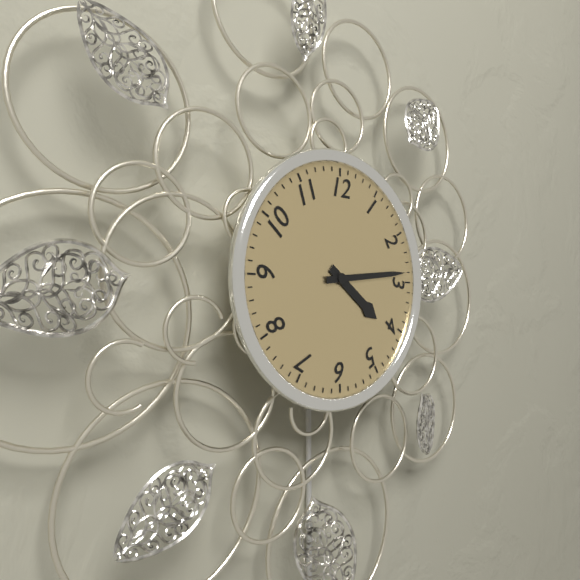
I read {"hour": 4, "minute": 14}
